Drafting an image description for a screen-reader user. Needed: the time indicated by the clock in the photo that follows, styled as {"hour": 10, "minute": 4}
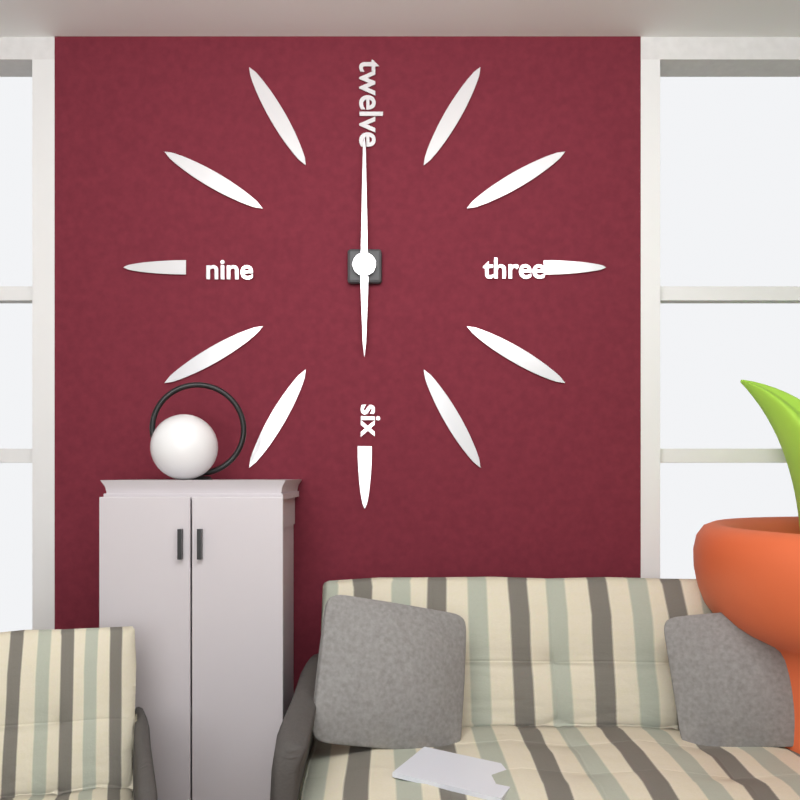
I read {"hour": 6, "minute": 0}
